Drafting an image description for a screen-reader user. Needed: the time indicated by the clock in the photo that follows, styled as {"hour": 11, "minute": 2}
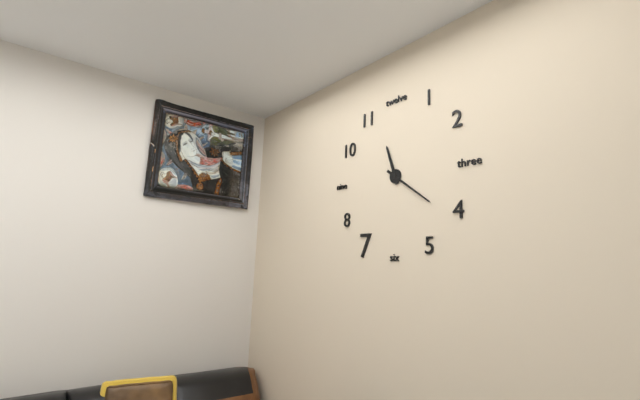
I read {"hour": 11, "minute": 21}
